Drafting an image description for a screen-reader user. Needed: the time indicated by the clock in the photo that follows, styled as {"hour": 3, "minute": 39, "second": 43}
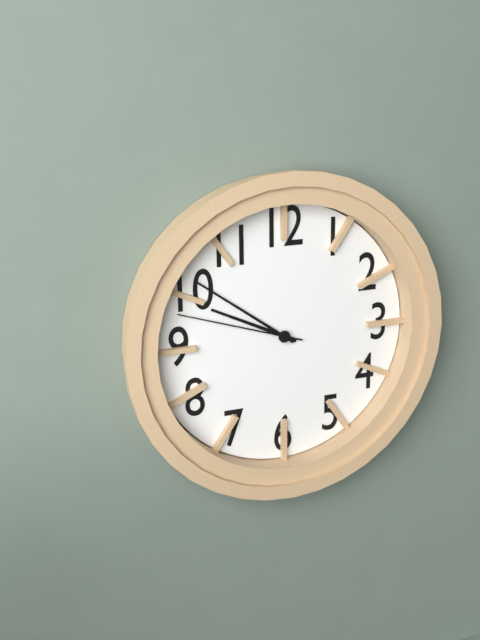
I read {"hour": 9, "minute": 51, "second": 48}
